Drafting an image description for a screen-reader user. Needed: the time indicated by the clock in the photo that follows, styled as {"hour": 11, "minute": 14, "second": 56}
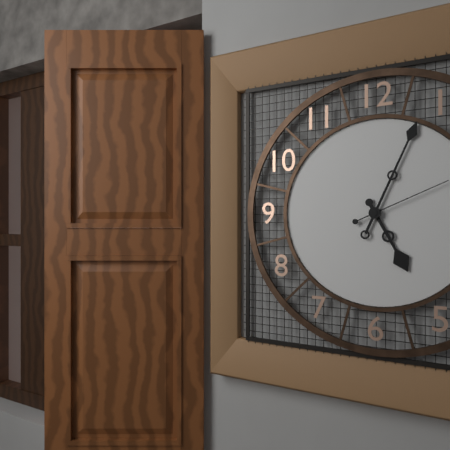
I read {"hour": 5, "minute": 4, "second": 11}
